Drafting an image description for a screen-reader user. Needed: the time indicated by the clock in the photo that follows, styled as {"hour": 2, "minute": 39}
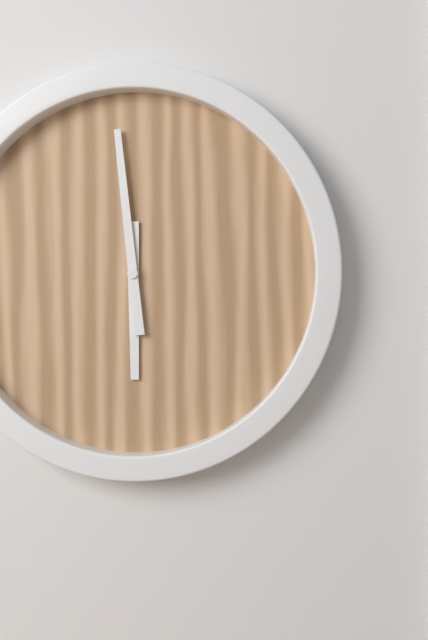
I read {"hour": 5, "minute": 59}
